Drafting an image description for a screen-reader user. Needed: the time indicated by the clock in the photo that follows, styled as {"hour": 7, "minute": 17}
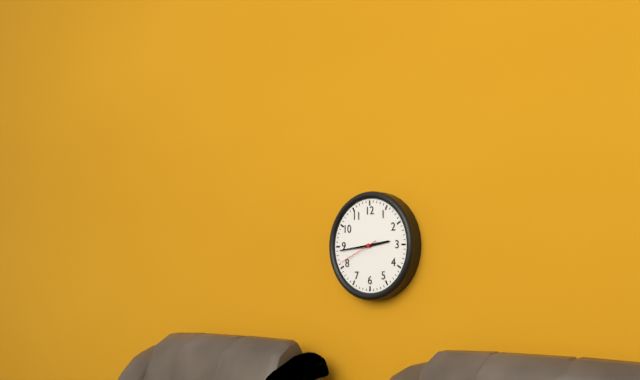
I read {"hour": 2, "minute": 44}
